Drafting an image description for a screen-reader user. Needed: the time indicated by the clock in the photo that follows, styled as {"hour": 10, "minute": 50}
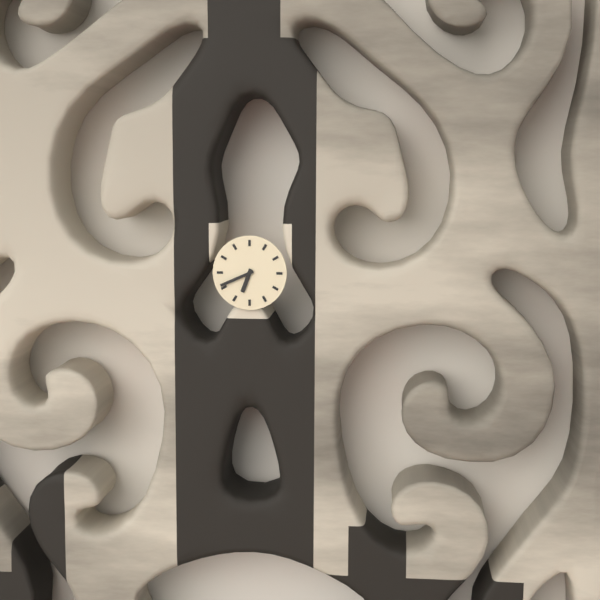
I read {"hour": 6, "minute": 41}
